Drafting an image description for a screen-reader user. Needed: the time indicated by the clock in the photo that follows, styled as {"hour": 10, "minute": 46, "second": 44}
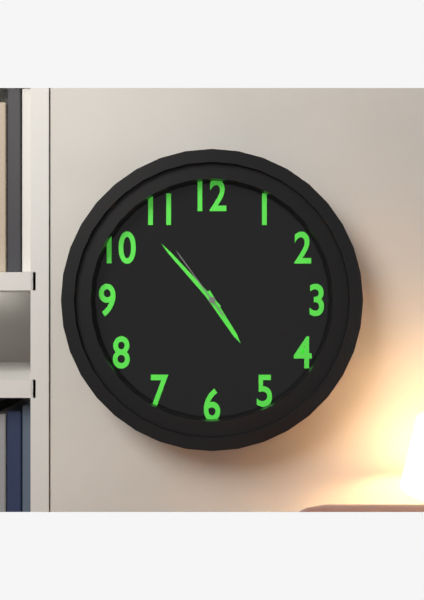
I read {"hour": 4, "minute": 53, "second": 54}
